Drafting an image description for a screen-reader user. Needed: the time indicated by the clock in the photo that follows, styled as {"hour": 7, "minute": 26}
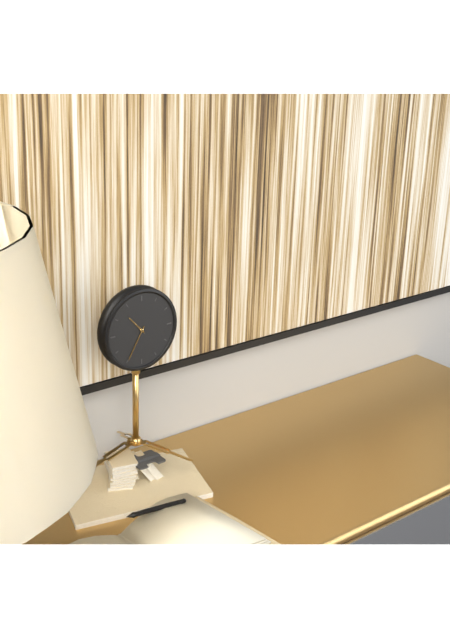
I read {"hour": 10, "minute": 35}
